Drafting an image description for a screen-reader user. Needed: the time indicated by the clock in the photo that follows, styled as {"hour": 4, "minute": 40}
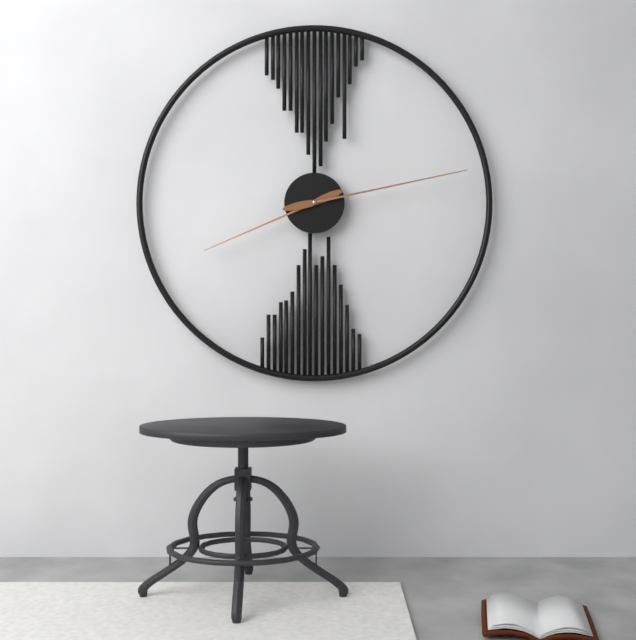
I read {"hour": 8, "minute": 13}
